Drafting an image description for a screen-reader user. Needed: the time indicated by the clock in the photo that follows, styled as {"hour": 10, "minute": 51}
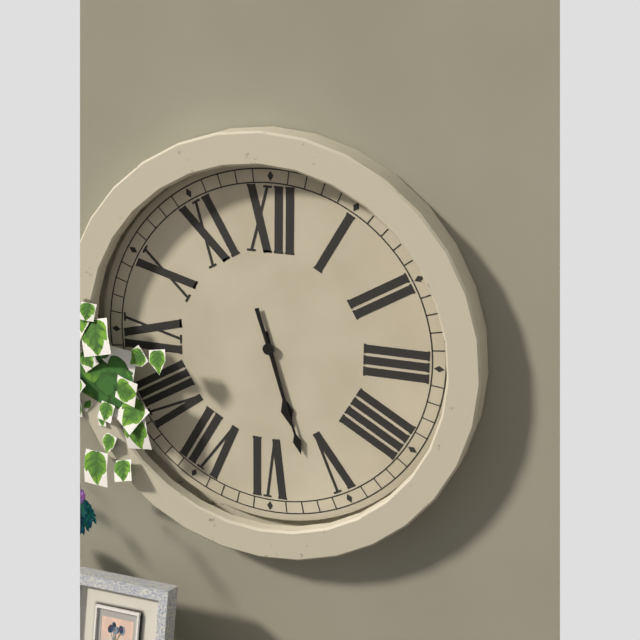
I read {"hour": 5, "minute": 27}
